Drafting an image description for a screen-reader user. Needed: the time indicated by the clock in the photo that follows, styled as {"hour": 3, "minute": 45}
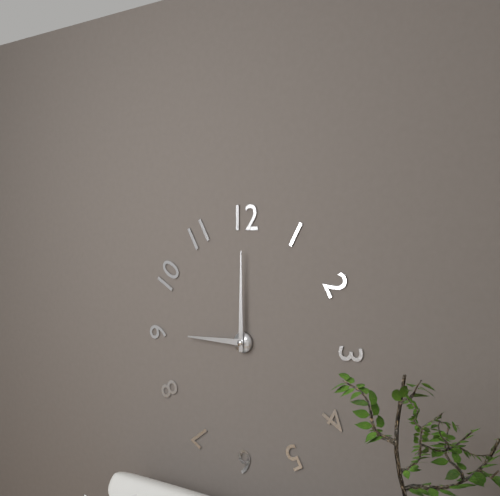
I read {"hour": 9, "minute": 0}
